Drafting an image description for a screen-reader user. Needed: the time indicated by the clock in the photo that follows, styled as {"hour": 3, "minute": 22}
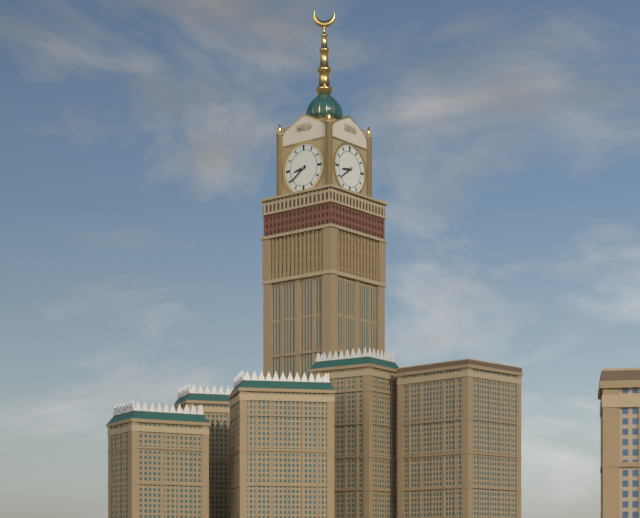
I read {"hour": 8, "minute": 39}
